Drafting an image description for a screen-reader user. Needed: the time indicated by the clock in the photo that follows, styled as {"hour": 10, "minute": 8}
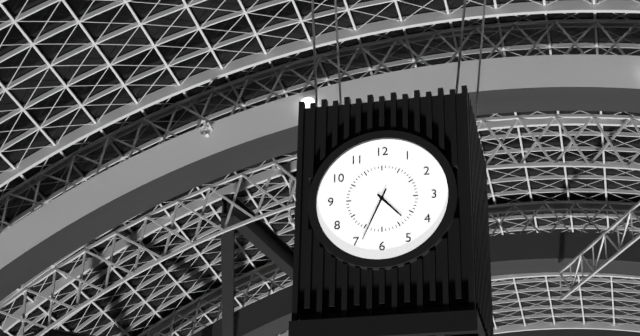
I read {"hour": 4, "minute": 34}
